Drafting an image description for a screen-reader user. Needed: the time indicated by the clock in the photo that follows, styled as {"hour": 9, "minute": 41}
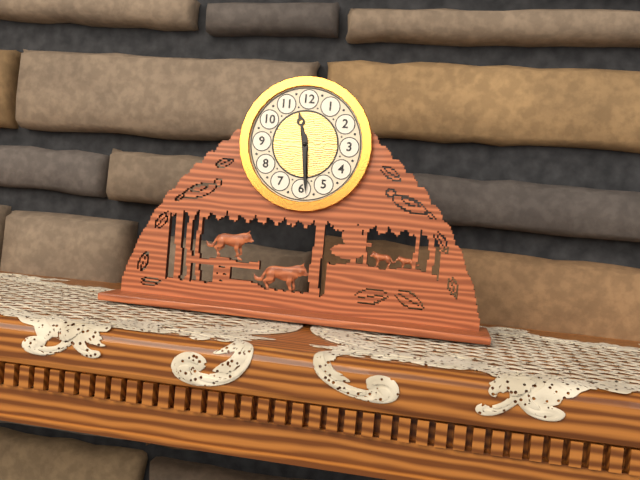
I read {"hour": 11, "minute": 29}
